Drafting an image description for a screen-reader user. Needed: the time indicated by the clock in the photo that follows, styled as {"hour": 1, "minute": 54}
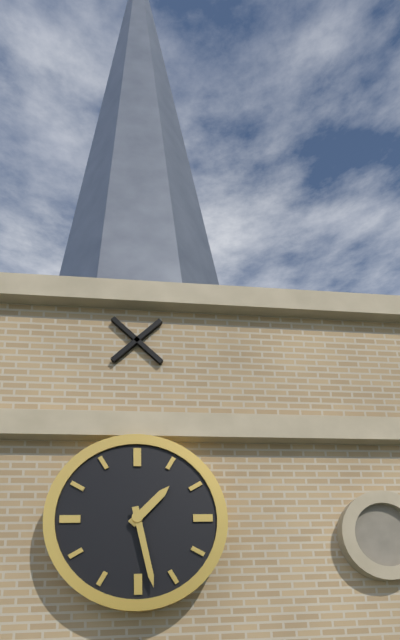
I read {"hour": 1, "minute": 28}
